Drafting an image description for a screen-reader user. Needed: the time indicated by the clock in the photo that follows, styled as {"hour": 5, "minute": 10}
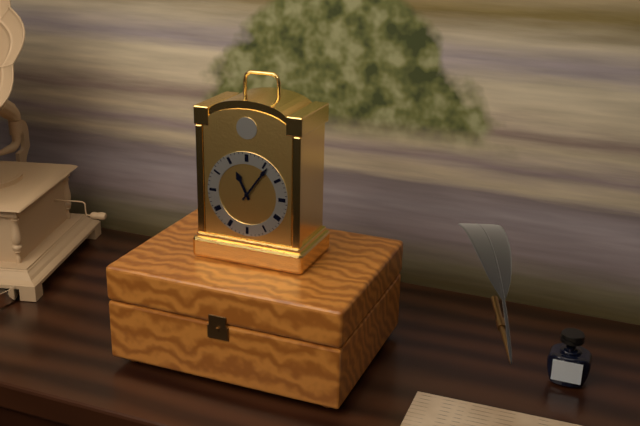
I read {"hour": 11, "minute": 6}
